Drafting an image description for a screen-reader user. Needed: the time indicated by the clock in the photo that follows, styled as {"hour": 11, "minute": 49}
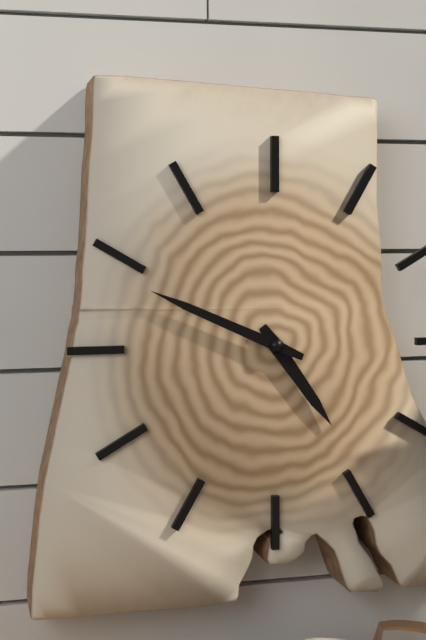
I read {"hour": 4, "minute": 49}
